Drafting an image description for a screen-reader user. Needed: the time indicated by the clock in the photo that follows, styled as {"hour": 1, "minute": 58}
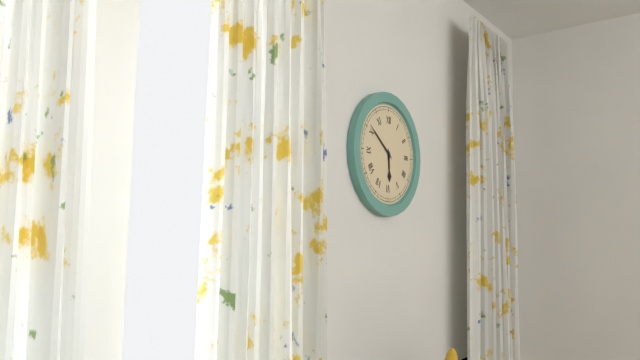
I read {"hour": 5, "minute": 51}
